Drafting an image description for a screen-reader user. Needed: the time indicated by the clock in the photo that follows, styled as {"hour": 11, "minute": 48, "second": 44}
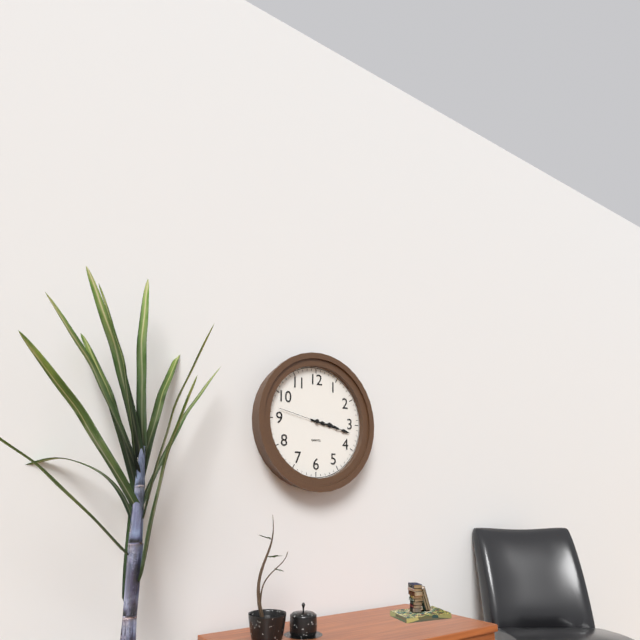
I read {"hour": 3, "minute": 17, "second": 47}
